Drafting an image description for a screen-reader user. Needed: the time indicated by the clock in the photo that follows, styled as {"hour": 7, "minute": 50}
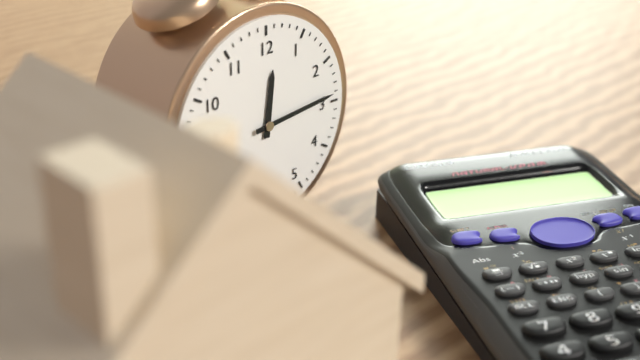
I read {"hour": 12, "minute": 14}
